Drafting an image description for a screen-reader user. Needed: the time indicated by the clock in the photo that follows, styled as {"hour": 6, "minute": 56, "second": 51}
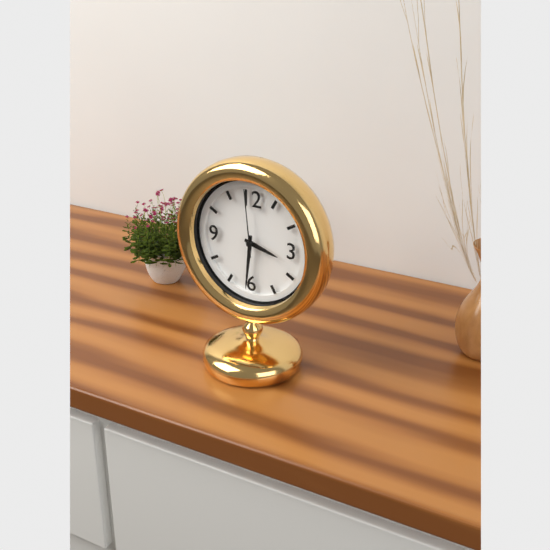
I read {"hour": 3, "minute": 31, "second": 59}
